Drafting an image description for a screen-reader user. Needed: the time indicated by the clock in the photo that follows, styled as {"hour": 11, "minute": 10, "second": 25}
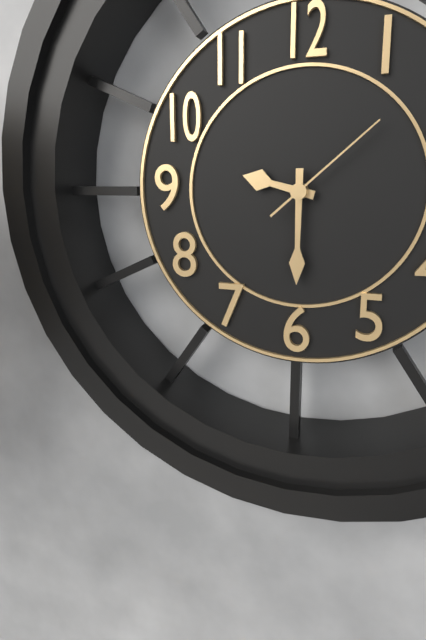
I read {"hour": 9, "minute": 30, "second": 8}
